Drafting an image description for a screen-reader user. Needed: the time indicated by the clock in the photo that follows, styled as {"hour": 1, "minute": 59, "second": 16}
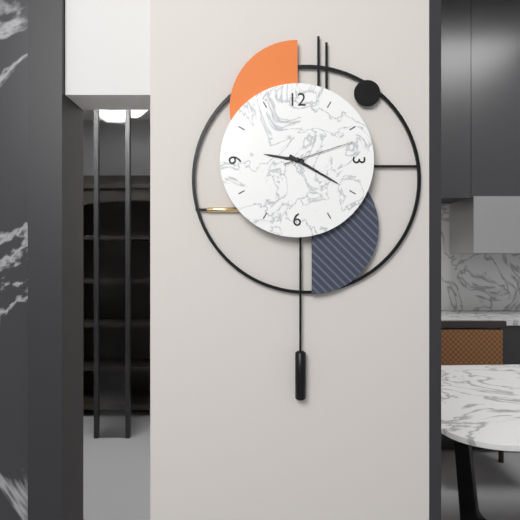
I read {"hour": 9, "minute": 20, "second": 12}
